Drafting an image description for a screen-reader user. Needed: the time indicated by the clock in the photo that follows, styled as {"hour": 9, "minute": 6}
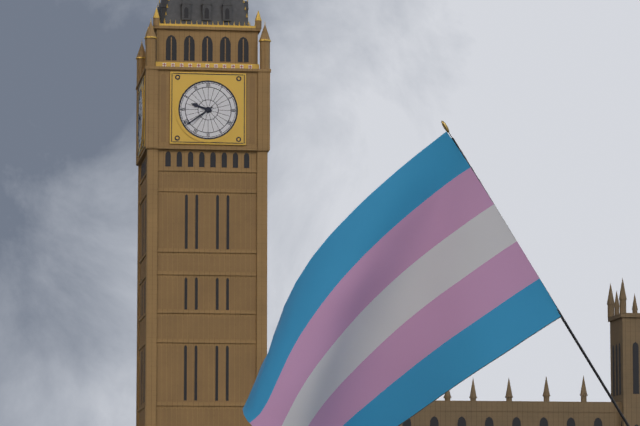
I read {"hour": 9, "minute": 39}
